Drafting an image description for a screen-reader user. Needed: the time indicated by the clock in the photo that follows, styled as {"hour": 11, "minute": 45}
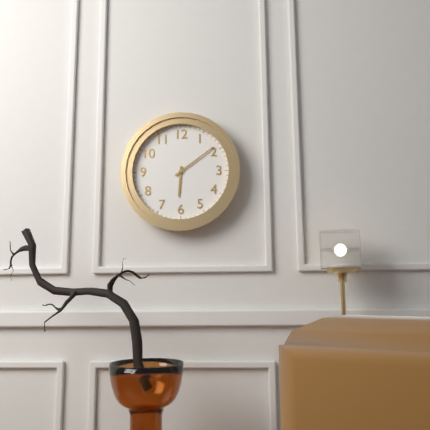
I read {"hour": 6, "minute": 9}
